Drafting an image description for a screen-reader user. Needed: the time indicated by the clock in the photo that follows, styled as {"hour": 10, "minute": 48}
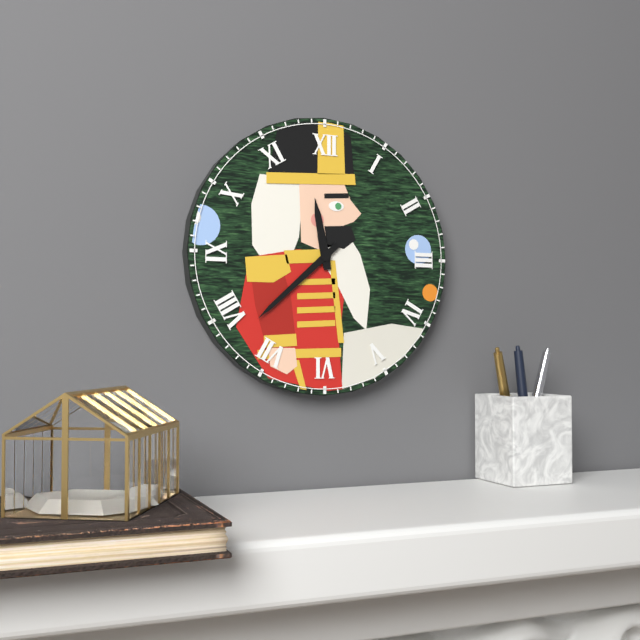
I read {"hour": 11, "minute": 38}
